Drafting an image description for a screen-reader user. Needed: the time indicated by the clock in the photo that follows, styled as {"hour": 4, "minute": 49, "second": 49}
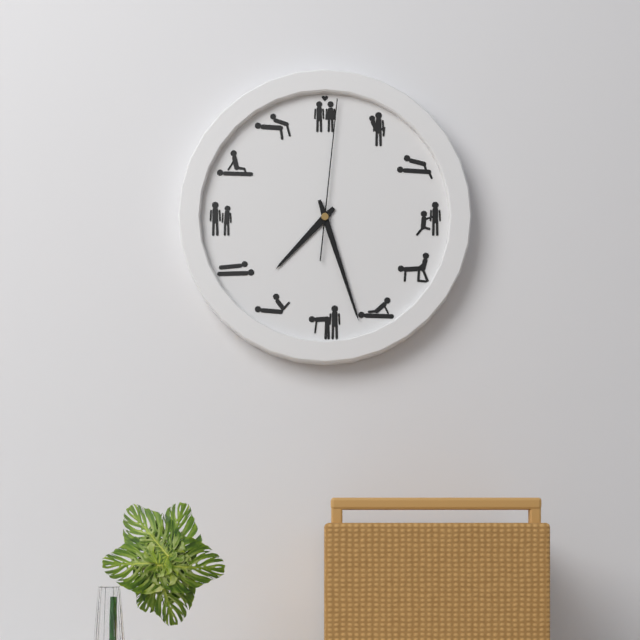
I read {"hour": 7, "minute": 27, "second": 1}
